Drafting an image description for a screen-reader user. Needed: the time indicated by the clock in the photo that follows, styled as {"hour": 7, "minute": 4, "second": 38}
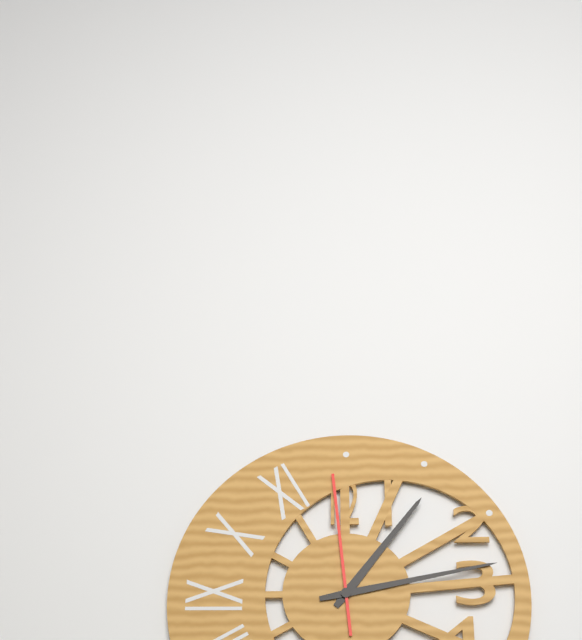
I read {"hour": 1, "minute": 13, "second": 59}
